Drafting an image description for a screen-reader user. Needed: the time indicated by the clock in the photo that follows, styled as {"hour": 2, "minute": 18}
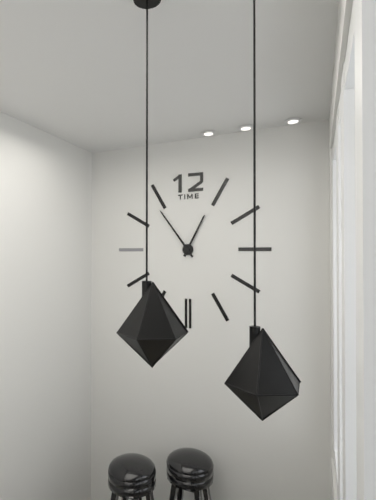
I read {"hour": 12, "minute": 54}
